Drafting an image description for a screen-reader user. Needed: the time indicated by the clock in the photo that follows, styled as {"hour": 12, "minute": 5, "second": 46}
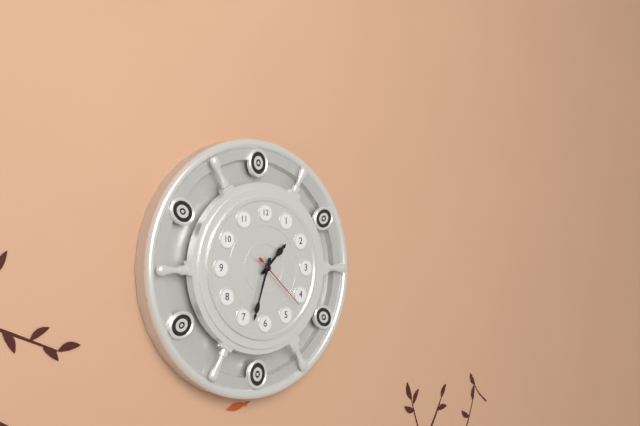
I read {"hour": 1, "minute": 33, "second": 22}
